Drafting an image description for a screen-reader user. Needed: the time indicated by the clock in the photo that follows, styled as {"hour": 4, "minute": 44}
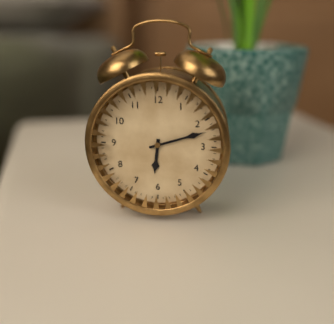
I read {"hour": 6, "minute": 12}
